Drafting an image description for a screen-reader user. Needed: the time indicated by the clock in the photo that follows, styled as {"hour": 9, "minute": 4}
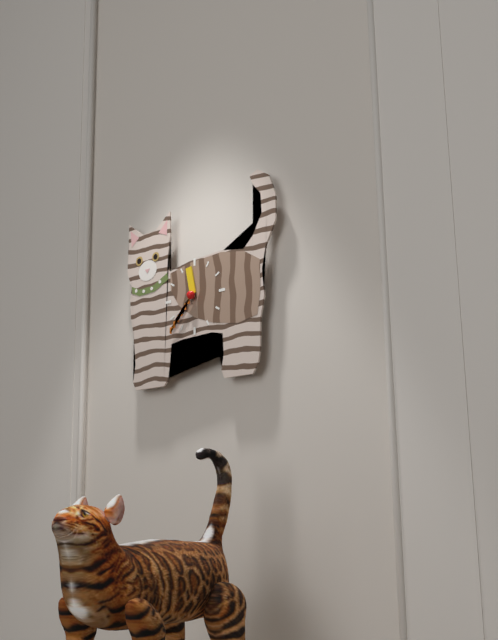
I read {"hour": 11, "minute": 37}
